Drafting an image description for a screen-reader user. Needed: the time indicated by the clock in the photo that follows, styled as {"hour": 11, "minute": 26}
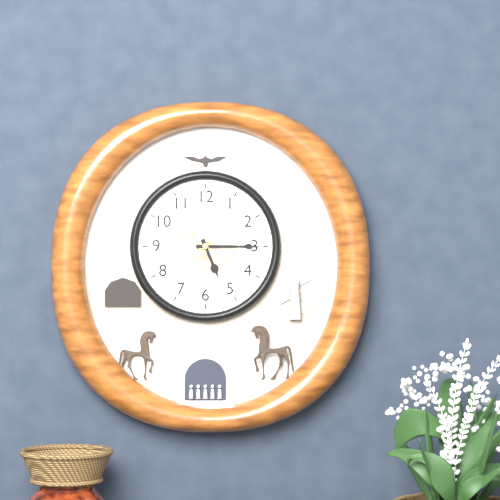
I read {"hour": 5, "minute": 15}
